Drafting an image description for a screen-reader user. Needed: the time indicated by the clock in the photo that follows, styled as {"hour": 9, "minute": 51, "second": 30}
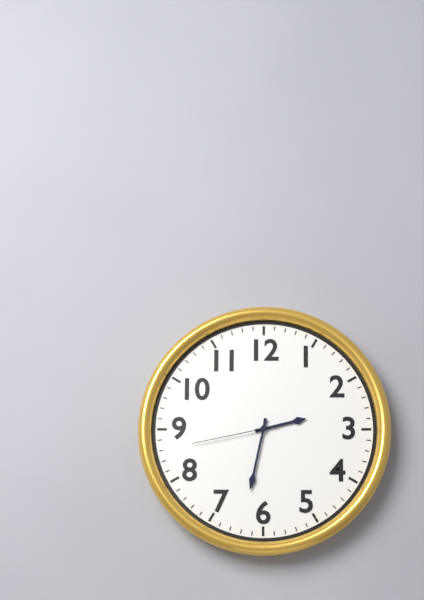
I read {"hour": 2, "minute": 32, "second": 43}
